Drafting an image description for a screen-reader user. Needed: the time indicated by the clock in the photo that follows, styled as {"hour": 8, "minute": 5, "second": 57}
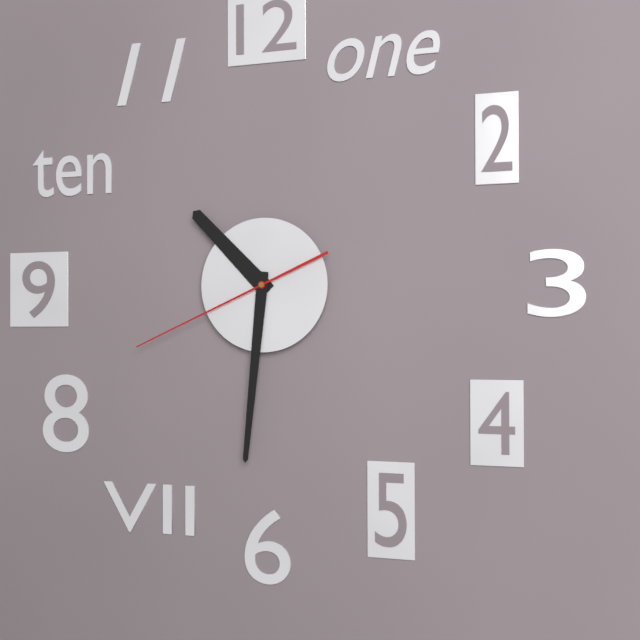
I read {"hour": 10, "minute": 31, "second": 41}
